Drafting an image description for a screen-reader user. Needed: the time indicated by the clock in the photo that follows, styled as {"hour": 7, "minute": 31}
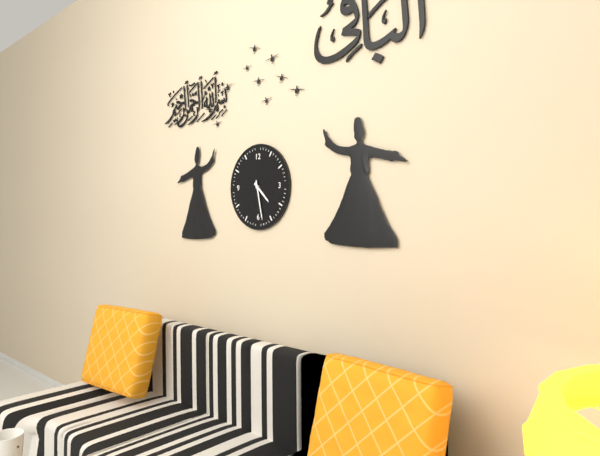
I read {"hour": 4, "minute": 28}
